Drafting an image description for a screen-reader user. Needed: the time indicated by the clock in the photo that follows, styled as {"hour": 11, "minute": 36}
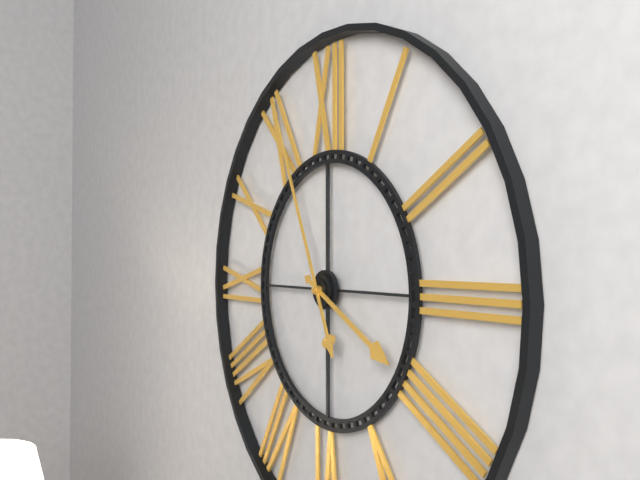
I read {"hour": 3, "minute": 56}
